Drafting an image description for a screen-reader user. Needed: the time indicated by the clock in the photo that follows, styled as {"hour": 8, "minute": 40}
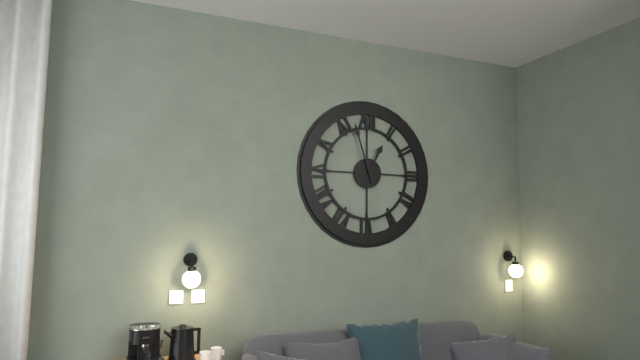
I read {"hour": 12, "minute": 57}
